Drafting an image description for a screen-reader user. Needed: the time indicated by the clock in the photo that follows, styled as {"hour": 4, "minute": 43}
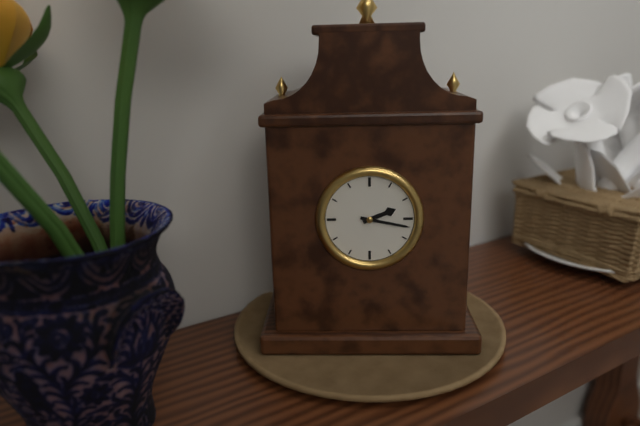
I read {"hour": 2, "minute": 17}
